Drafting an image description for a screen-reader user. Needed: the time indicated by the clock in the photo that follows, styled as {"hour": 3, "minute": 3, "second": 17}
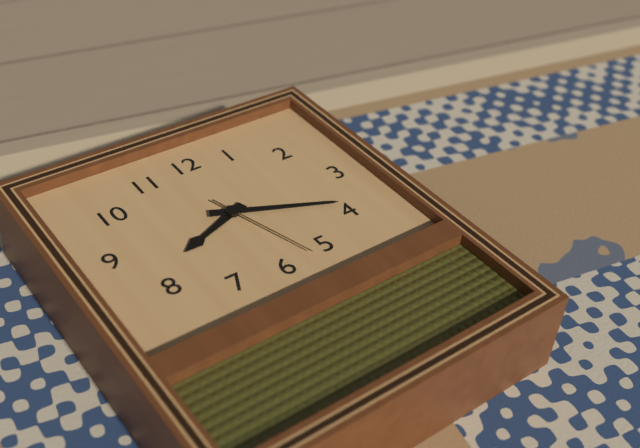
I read {"hour": 8, "minute": 19, "second": 27}
